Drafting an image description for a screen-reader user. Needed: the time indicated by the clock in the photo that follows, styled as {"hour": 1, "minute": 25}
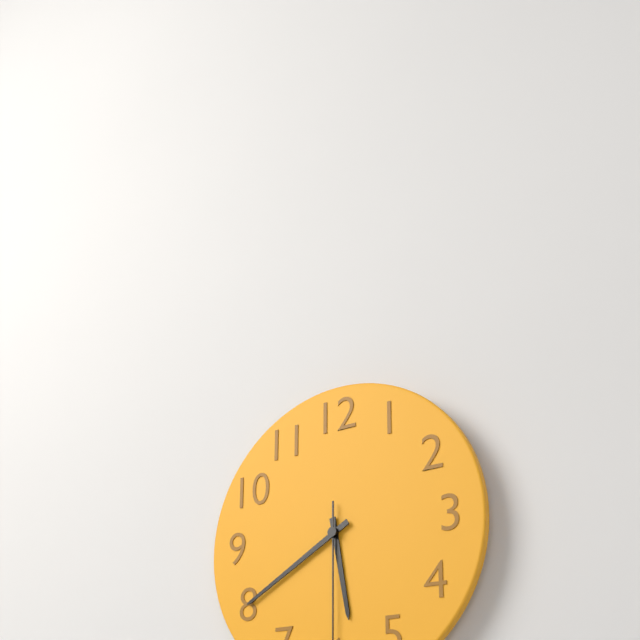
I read {"hour": 5, "minute": 40}
